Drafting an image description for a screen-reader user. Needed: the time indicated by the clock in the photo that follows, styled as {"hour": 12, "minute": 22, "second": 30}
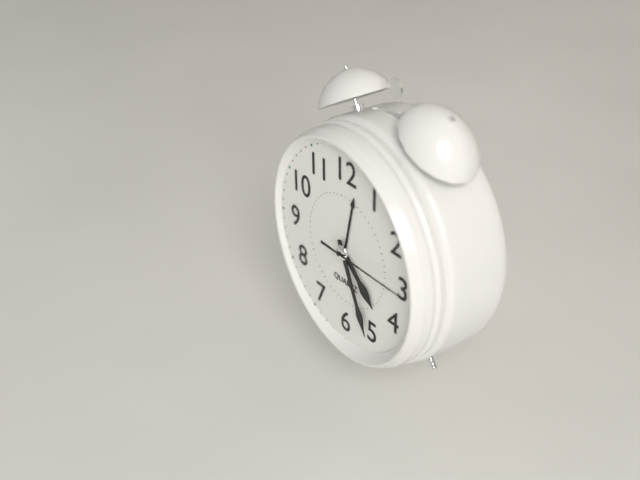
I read {"hour": 4, "minute": 26, "second": 15}
